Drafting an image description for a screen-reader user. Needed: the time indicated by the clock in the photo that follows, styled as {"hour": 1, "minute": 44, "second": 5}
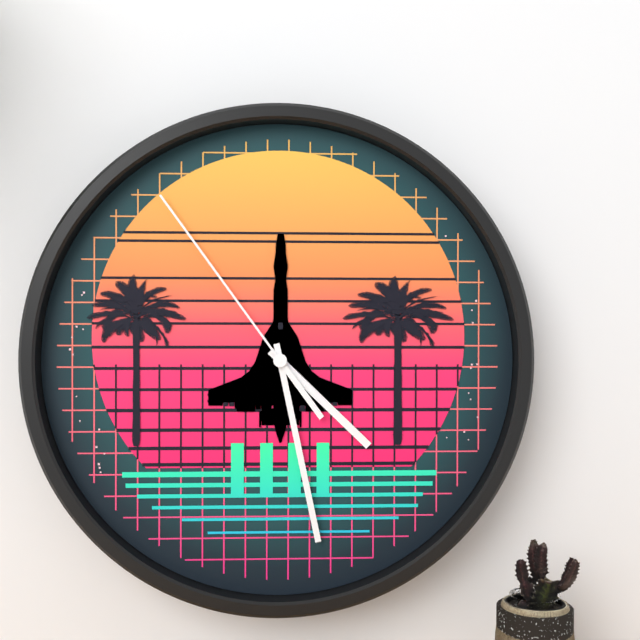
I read {"hour": 4, "minute": 28, "second": 54}
